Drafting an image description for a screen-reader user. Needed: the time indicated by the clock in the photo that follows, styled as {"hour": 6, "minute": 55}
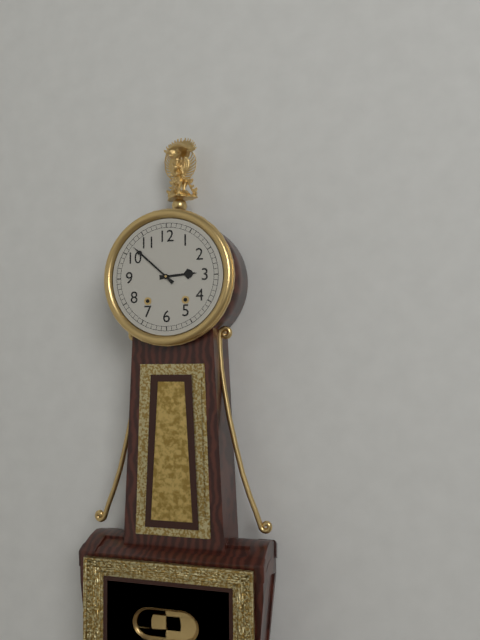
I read {"hour": 2, "minute": 52}
